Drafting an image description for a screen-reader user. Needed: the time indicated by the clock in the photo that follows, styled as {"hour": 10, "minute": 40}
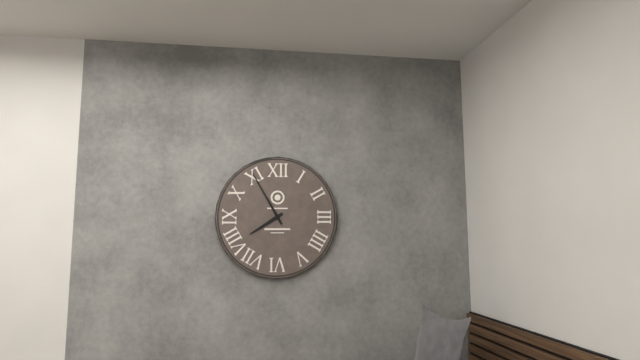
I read {"hour": 7, "minute": 55}
